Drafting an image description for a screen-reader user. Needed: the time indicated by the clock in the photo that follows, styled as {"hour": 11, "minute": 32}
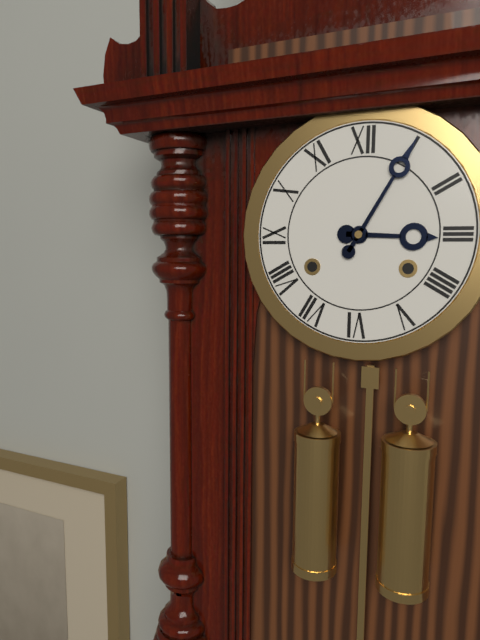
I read {"hour": 3, "minute": 5}
